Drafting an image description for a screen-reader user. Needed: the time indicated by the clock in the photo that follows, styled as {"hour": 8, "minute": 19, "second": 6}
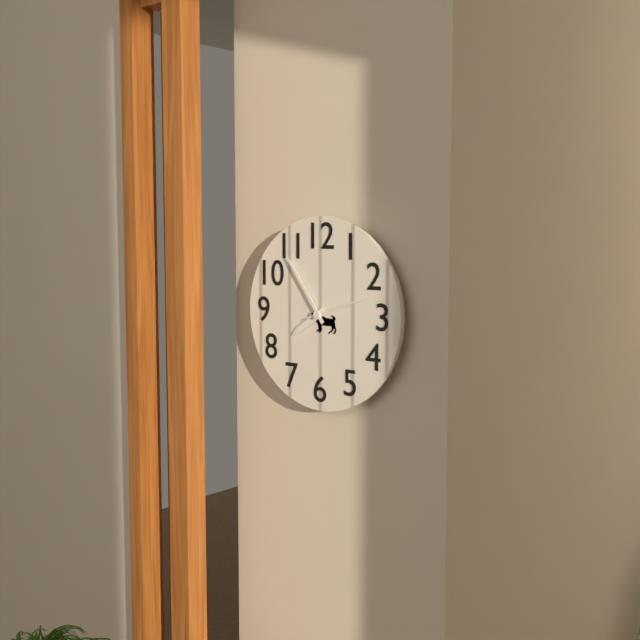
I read {"hour": 7, "minute": 54, "second": 12}
